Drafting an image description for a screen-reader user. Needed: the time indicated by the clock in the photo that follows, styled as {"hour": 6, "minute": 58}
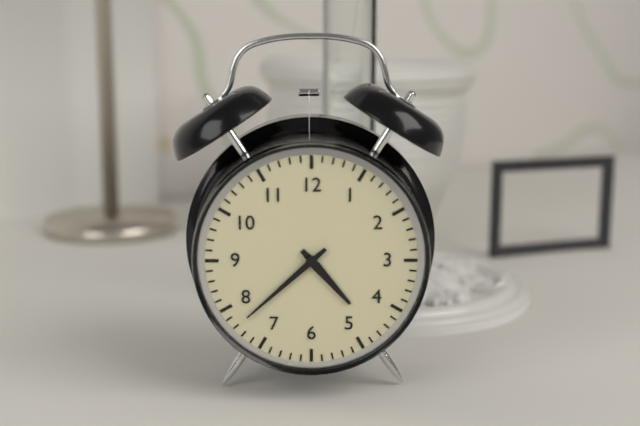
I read {"hour": 4, "minute": 38}
